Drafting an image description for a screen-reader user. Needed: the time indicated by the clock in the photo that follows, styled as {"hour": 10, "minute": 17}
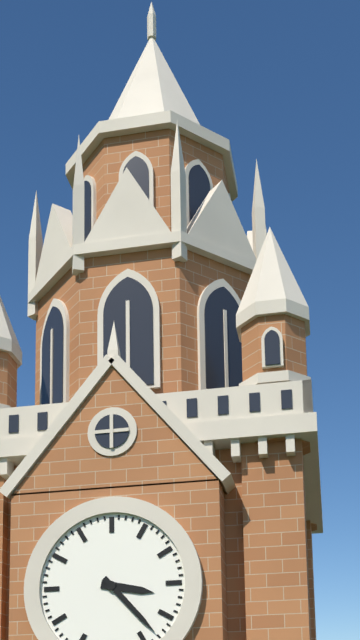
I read {"hour": 3, "minute": 23}
